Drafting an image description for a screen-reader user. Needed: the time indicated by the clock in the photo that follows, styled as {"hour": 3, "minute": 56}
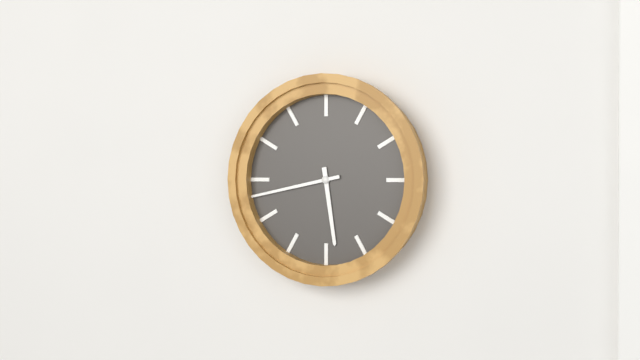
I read {"hour": 5, "minute": 43}
